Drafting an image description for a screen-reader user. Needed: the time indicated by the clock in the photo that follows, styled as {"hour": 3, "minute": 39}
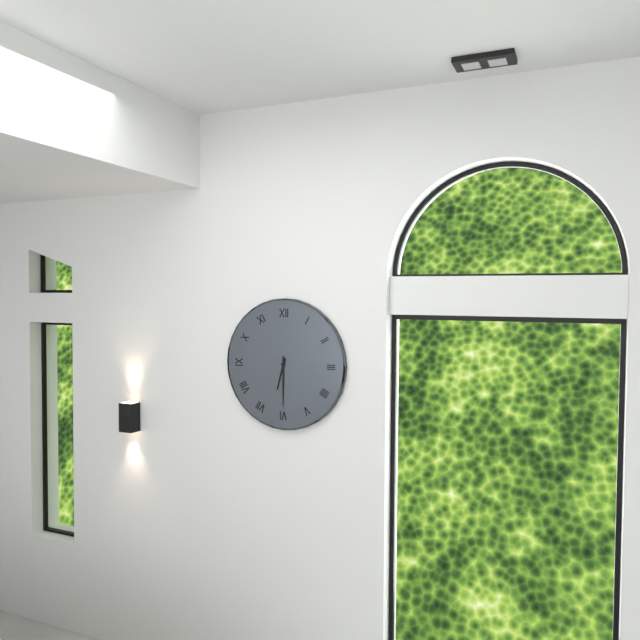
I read {"hour": 6, "minute": 30}
